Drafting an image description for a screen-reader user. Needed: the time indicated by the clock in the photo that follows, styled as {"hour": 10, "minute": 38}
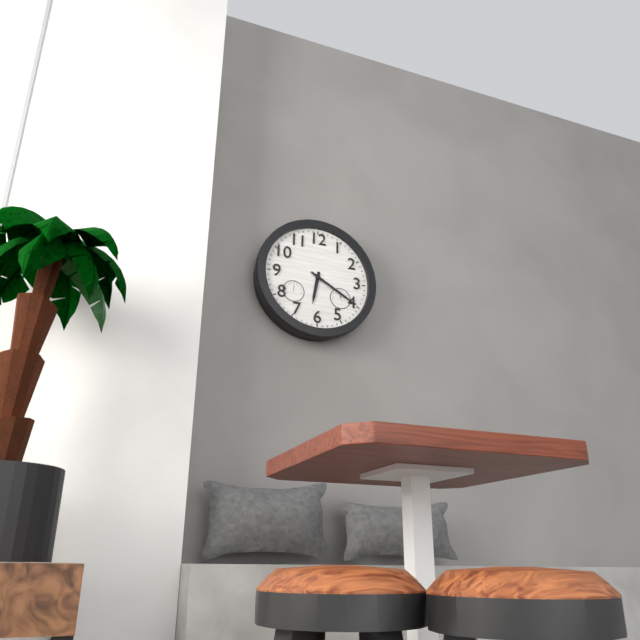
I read {"hour": 6, "minute": 20}
